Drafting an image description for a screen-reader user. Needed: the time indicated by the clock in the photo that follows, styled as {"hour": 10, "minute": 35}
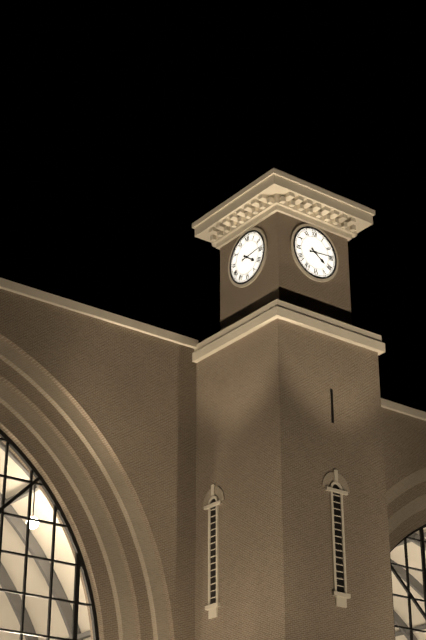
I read {"hour": 4, "minute": 14}
